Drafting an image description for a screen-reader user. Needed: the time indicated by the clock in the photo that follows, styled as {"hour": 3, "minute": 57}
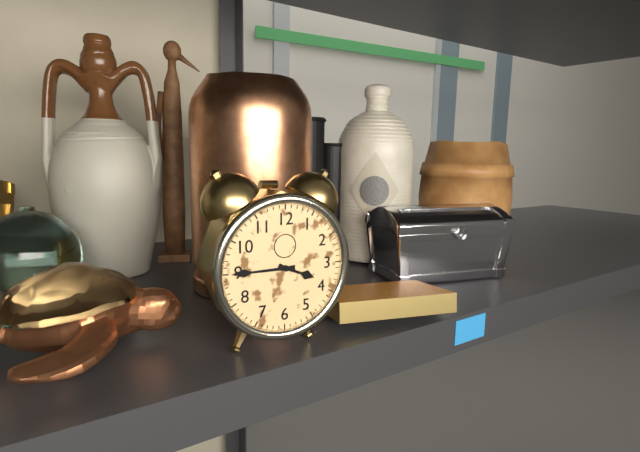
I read {"hour": 3, "minute": 45}
